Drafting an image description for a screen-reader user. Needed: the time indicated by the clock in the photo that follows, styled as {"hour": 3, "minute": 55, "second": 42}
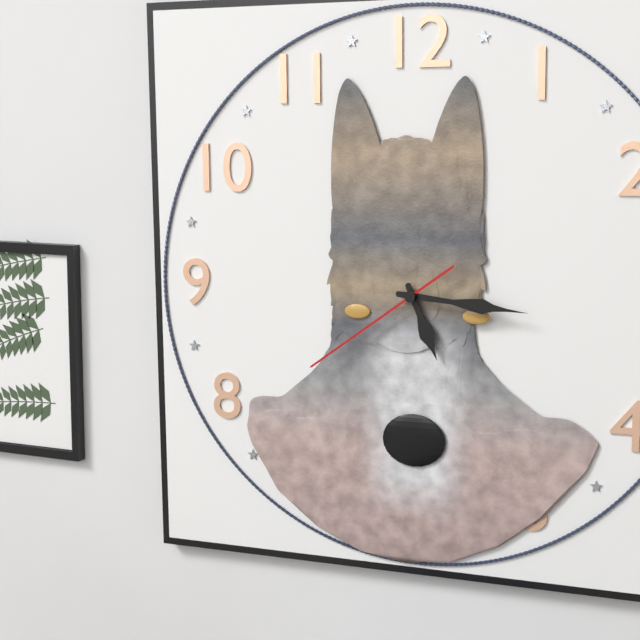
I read {"hour": 5, "minute": 16, "second": 39}
